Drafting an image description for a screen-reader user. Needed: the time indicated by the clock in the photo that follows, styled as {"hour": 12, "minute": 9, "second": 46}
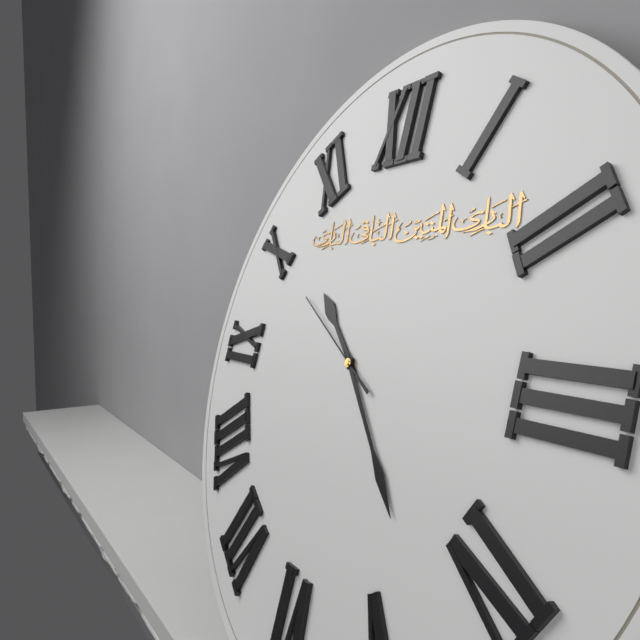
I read {"hour": 10, "minute": 23, "second": 50}
